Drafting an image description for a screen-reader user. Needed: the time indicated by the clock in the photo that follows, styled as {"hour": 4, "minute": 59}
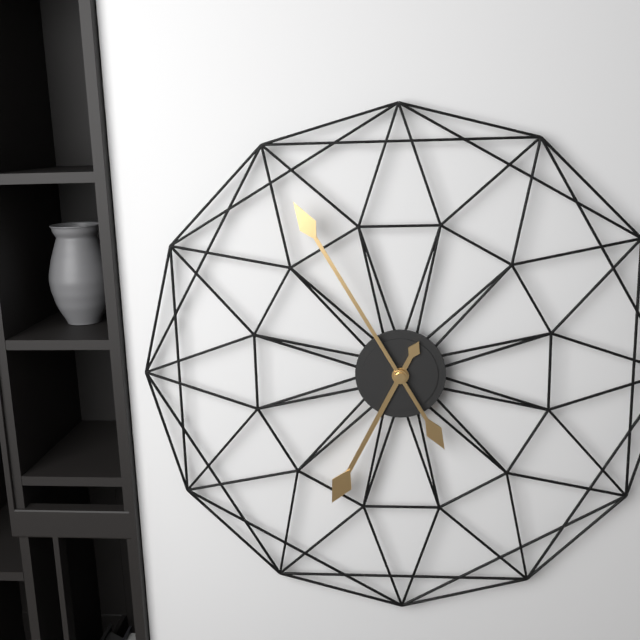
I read {"hour": 6, "minute": 55}
